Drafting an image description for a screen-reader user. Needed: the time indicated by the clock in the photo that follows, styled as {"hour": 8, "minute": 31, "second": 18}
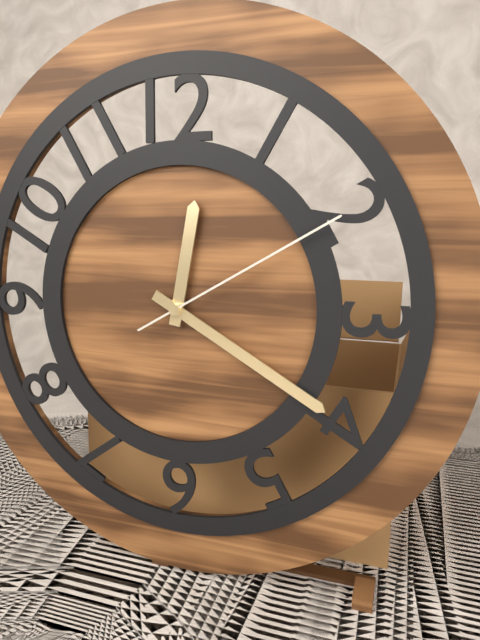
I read {"hour": 12, "minute": 20, "second": 10}
